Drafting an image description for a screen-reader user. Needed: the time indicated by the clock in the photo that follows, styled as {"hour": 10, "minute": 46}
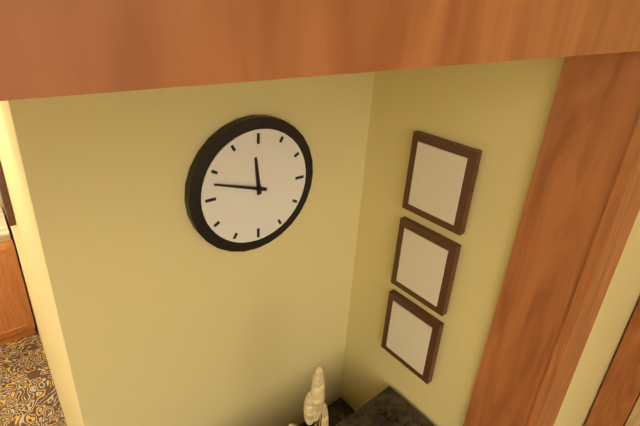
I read {"hour": 11, "minute": 48}
